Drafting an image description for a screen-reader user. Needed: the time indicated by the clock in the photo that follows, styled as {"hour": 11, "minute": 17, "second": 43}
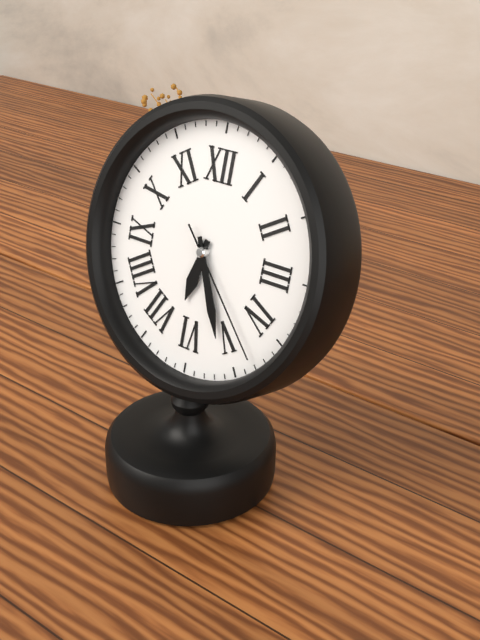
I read {"hour": 6, "minute": 26, "second": 23}
